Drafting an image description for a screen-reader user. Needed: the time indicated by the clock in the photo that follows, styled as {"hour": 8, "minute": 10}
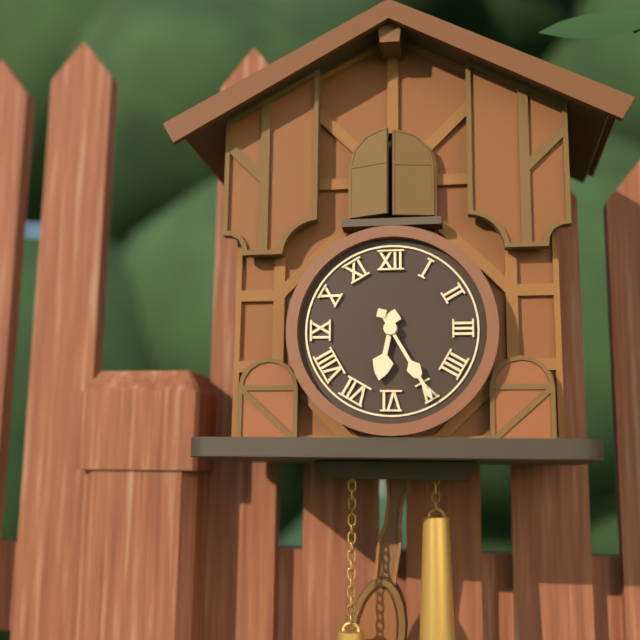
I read {"hour": 6, "minute": 25}
